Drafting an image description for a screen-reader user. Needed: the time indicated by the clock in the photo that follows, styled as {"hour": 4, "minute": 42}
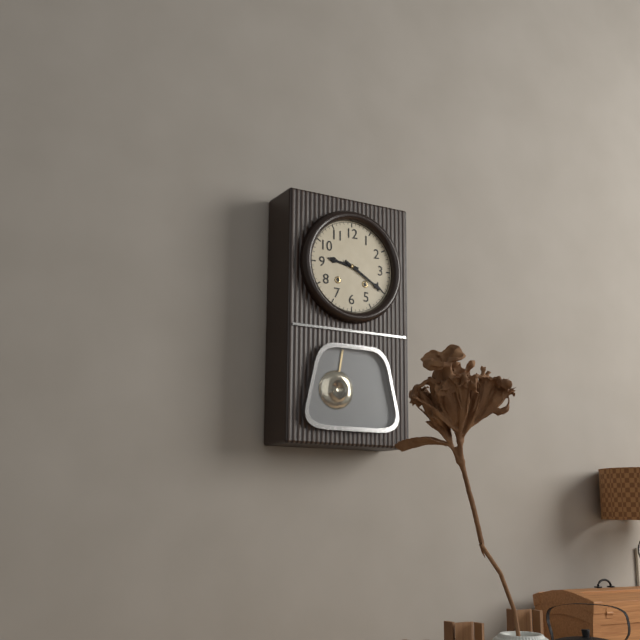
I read {"hour": 9, "minute": 20}
